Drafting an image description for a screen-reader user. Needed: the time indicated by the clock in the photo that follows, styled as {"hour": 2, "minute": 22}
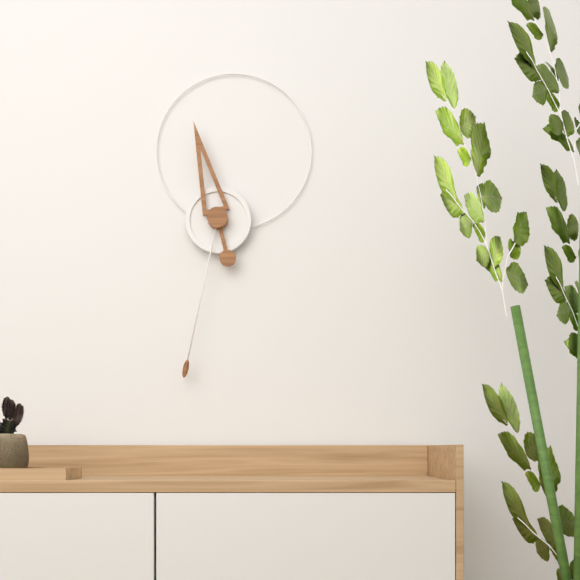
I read {"hour": 11, "minute": 32}
